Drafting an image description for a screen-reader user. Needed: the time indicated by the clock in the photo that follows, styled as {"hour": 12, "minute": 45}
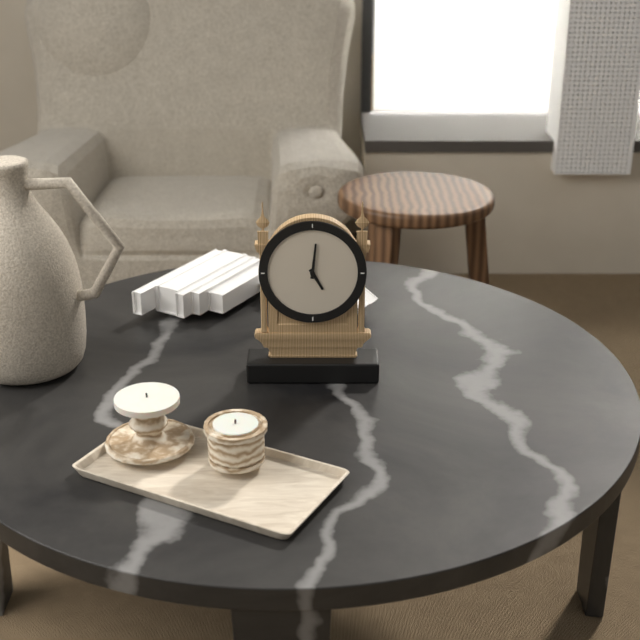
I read {"hour": 5, "minute": 1}
